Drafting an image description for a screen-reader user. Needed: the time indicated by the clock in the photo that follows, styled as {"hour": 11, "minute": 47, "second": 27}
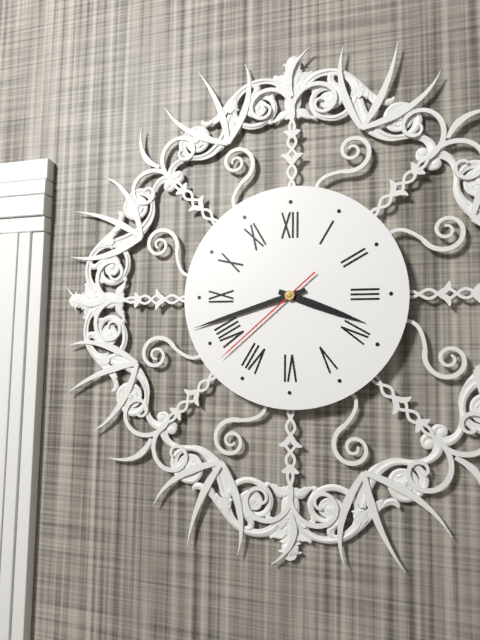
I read {"hour": 3, "minute": 42, "second": 38}
